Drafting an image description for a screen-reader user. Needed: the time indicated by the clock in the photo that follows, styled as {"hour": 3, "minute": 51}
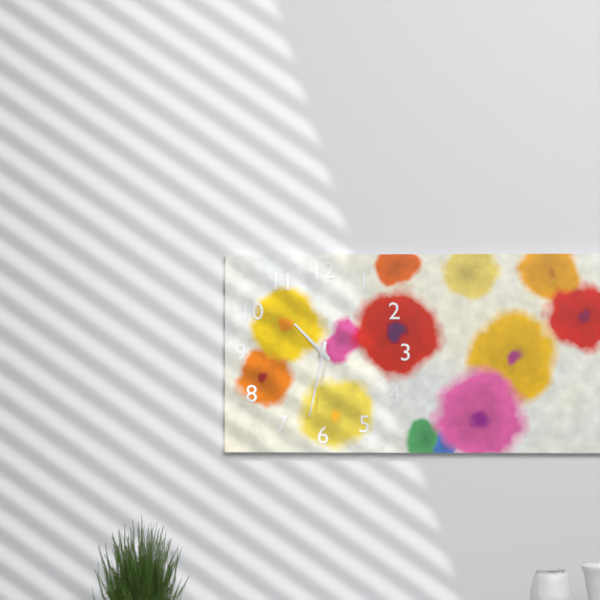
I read {"hour": 10, "minute": 32}
